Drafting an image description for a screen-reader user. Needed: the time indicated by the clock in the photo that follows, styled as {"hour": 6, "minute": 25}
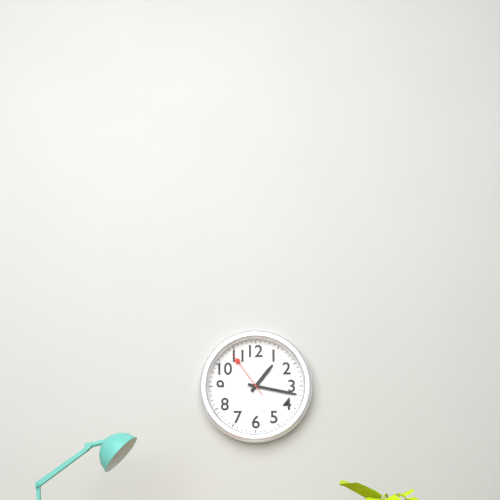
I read {"hour": 1, "minute": 17}
